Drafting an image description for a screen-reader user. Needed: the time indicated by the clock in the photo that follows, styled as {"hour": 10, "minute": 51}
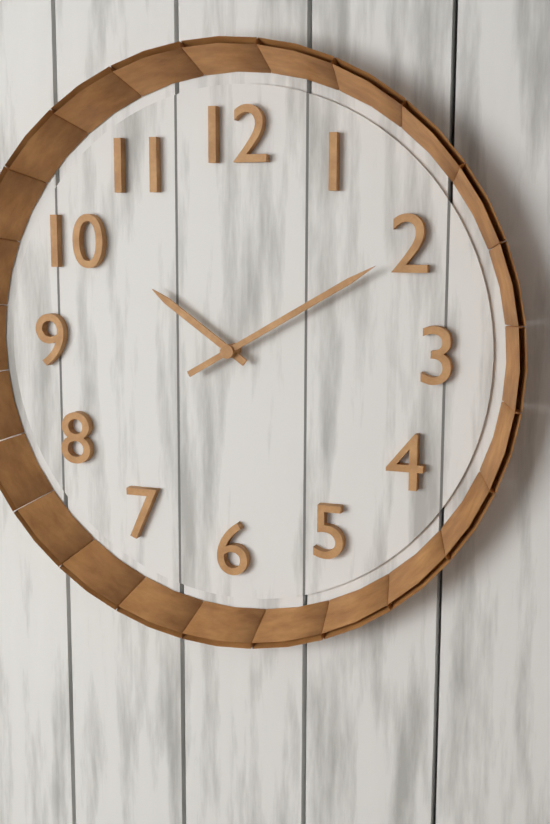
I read {"hour": 10, "minute": 10}
